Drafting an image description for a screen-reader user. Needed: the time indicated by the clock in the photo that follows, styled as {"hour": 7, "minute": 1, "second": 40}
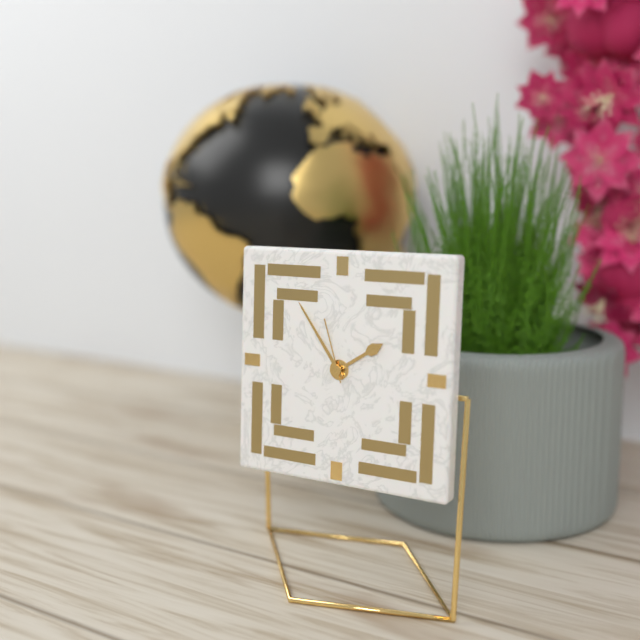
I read {"hour": 1, "minute": 54, "second": 57}
